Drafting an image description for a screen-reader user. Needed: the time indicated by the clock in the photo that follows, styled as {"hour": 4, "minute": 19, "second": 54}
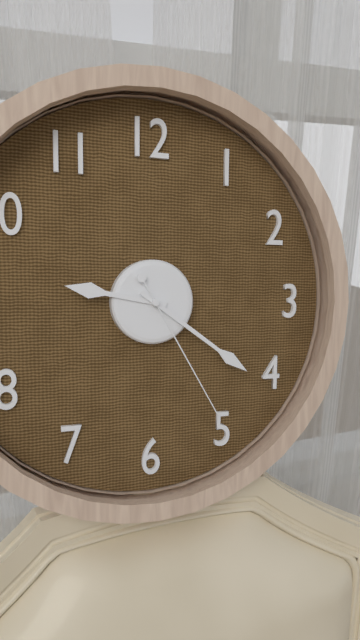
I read {"hour": 9, "minute": 21, "second": 25}
